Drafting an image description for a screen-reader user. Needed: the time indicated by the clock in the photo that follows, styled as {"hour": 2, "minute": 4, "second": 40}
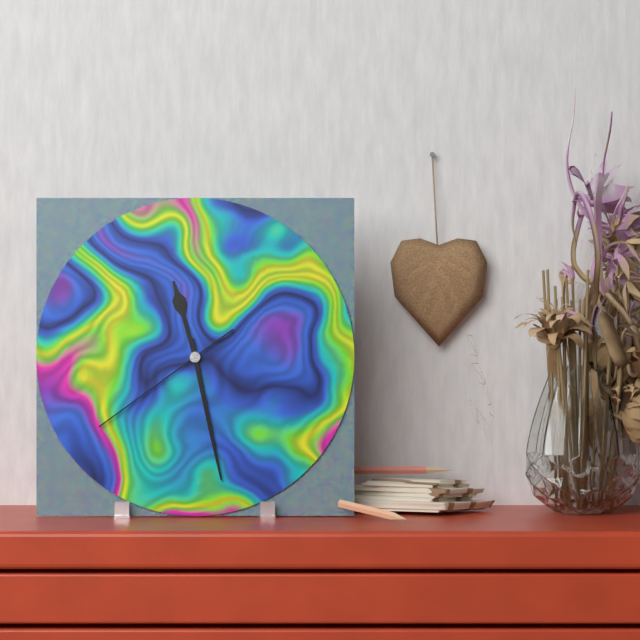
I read {"hour": 11, "minute": 28, "second": 39}
